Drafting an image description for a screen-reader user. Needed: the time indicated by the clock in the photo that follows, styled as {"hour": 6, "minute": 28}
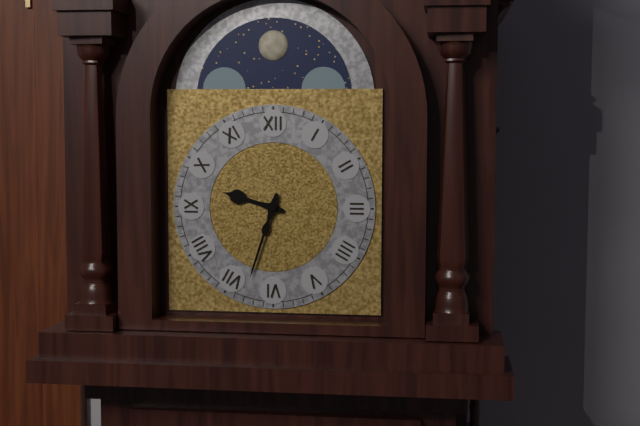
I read {"hour": 9, "minute": 33}
